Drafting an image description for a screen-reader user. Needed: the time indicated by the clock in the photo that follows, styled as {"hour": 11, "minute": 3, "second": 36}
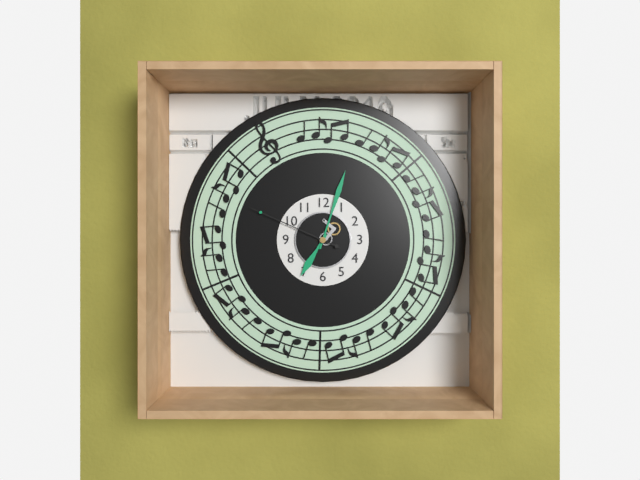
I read {"hour": 7, "minute": 3, "second": 49}
